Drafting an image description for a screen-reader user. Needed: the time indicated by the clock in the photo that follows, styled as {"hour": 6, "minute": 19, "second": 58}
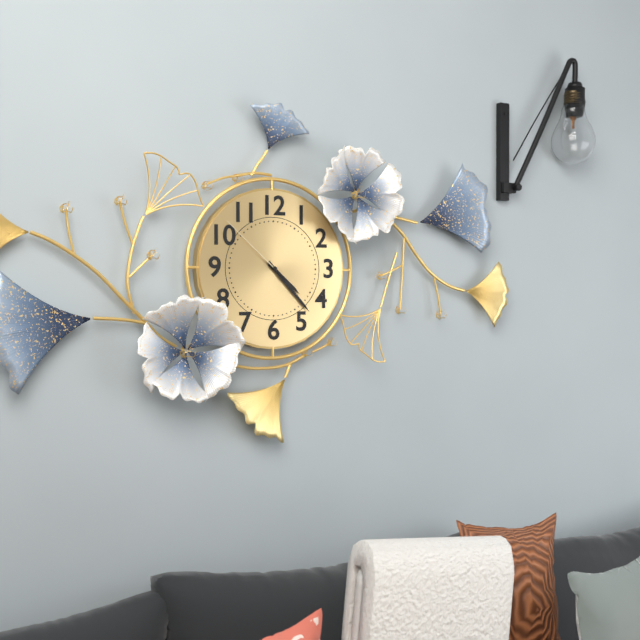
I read {"hour": 4, "minute": 23, "second": 52}
